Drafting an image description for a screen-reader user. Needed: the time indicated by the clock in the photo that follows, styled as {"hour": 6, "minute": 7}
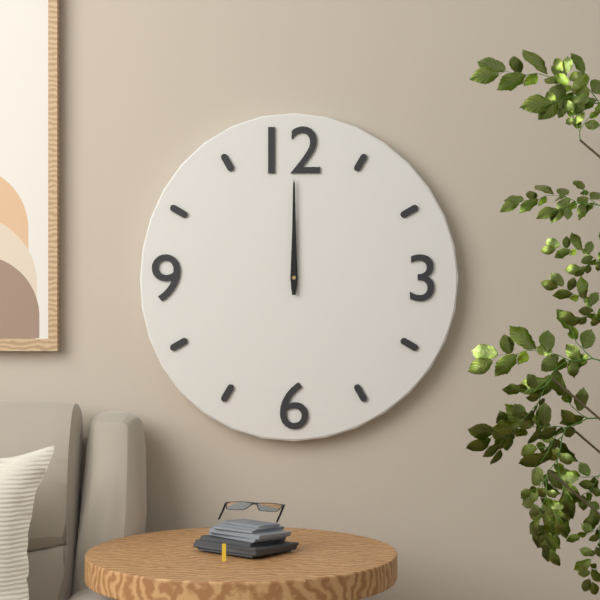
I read {"hour": 12, "minute": 0}
